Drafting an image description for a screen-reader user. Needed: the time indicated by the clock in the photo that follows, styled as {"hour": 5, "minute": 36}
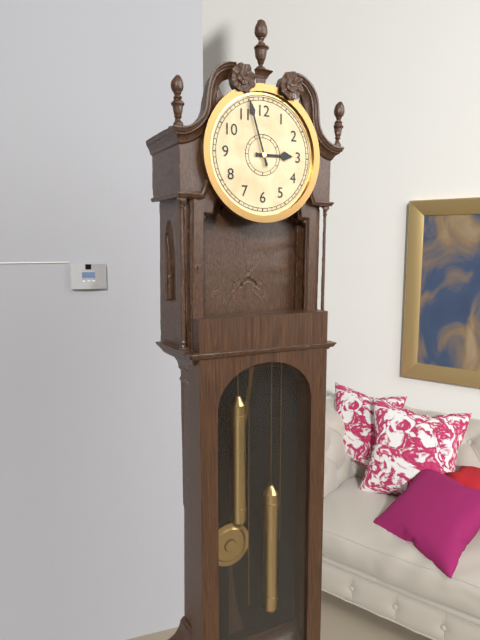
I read {"hour": 2, "minute": 57}
